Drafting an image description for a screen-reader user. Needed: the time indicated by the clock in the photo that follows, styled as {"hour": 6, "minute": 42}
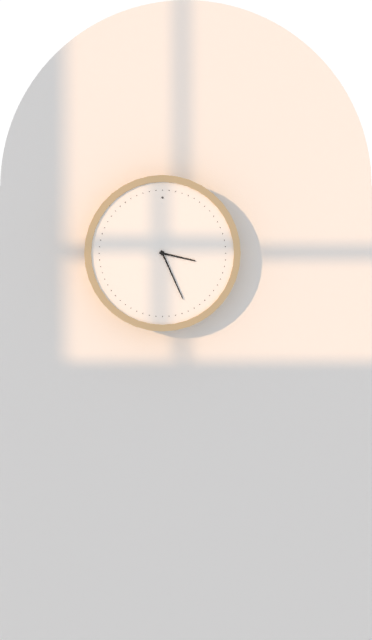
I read {"hour": 3, "minute": 26}
